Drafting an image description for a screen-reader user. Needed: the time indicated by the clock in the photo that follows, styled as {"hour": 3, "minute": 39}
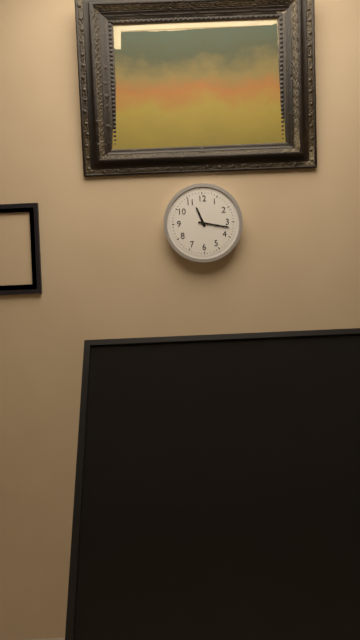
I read {"hour": 11, "minute": 17}
